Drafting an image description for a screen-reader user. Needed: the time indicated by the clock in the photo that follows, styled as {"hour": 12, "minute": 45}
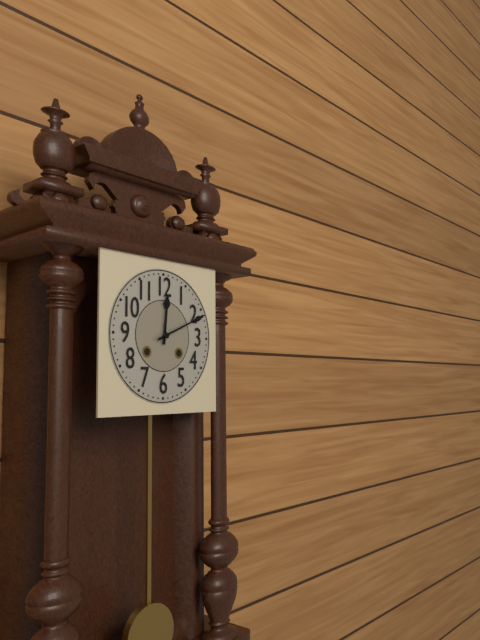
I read {"hour": 12, "minute": 11}
